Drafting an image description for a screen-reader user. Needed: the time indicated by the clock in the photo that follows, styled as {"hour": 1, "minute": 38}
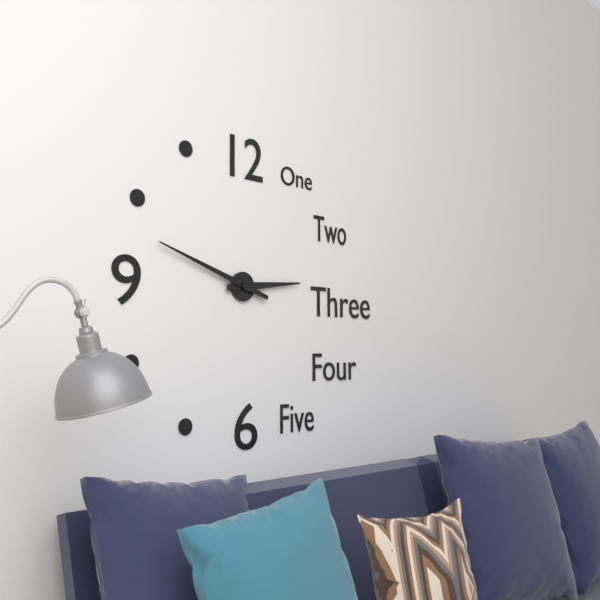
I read {"hour": 2, "minute": 48}
